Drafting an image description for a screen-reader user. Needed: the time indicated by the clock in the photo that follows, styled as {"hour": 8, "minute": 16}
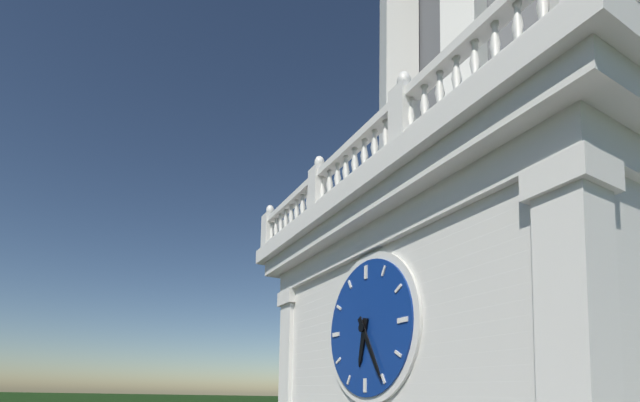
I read {"hour": 6, "minute": 25}
